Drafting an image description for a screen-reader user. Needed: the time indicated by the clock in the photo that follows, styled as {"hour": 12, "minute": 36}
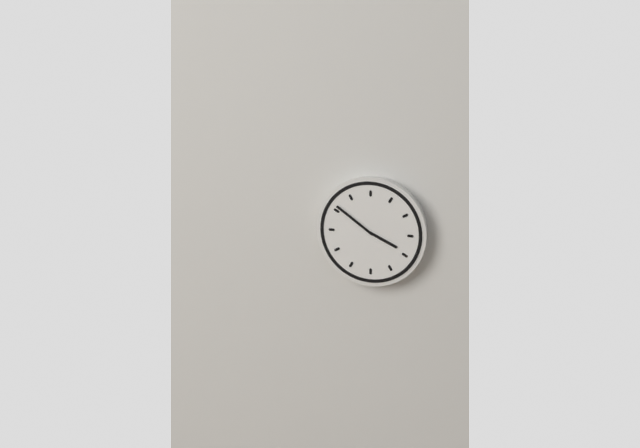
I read {"hour": 3, "minute": 51}
